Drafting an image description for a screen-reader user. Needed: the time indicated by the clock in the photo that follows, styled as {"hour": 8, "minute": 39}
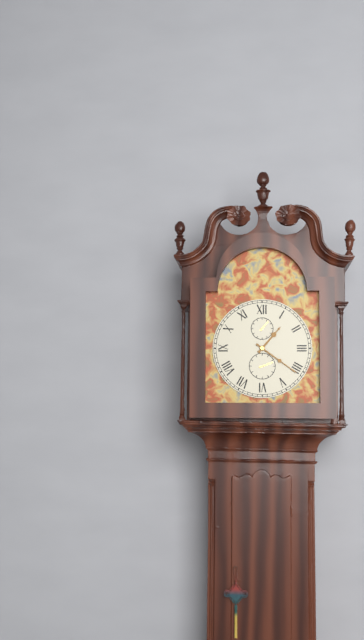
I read {"hour": 1, "minute": 21}
